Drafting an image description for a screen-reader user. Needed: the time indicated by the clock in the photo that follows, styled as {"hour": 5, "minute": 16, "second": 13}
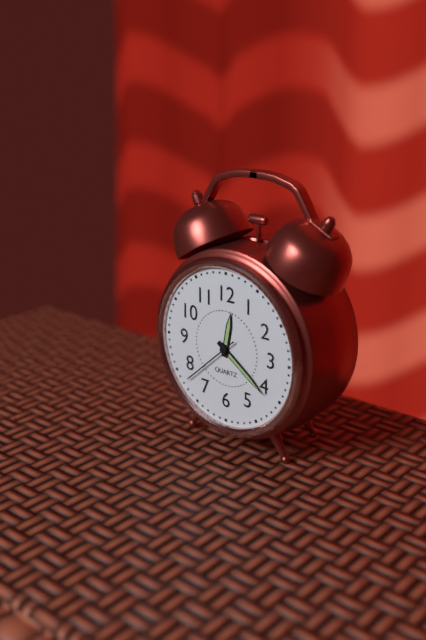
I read {"hour": 12, "minute": 21, "second": 38}
